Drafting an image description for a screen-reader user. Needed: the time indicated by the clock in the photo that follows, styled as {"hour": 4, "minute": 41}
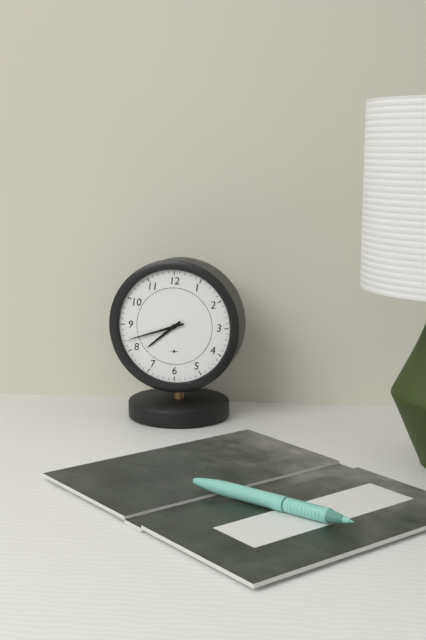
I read {"hour": 7, "minute": 42}
